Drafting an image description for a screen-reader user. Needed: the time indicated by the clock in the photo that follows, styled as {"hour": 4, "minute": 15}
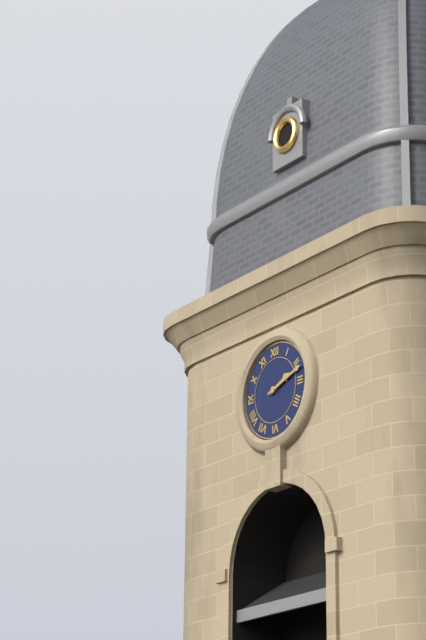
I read {"hour": 2, "minute": 12}
